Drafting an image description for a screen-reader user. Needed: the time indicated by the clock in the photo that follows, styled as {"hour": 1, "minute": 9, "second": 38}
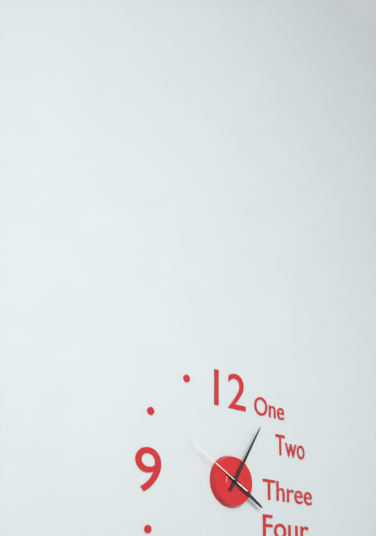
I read {"hour": 4, "minute": 5, "second": 50}
